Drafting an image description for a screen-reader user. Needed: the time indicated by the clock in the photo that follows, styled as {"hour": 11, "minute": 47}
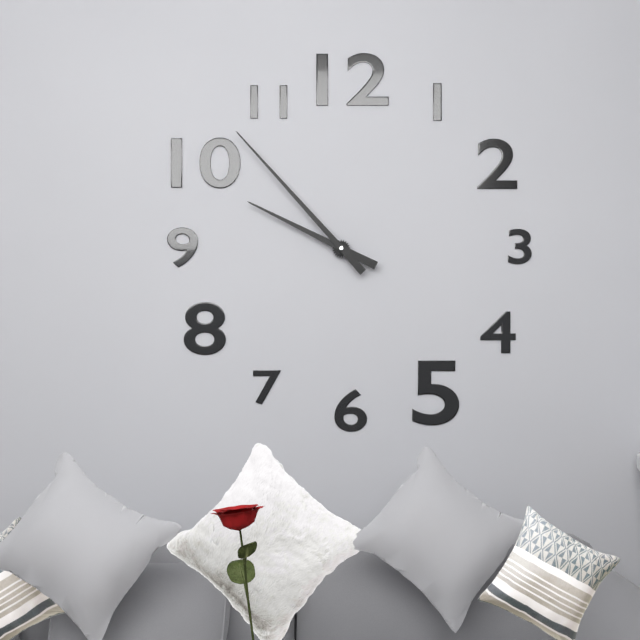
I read {"hour": 9, "minute": 53}
